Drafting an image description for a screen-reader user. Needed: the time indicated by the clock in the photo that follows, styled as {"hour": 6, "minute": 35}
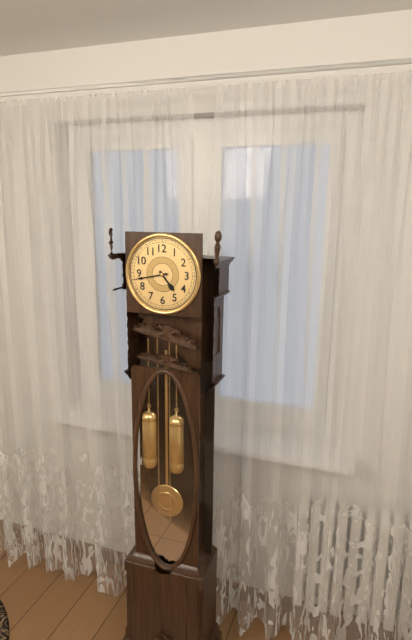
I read {"hour": 4, "minute": 43}
